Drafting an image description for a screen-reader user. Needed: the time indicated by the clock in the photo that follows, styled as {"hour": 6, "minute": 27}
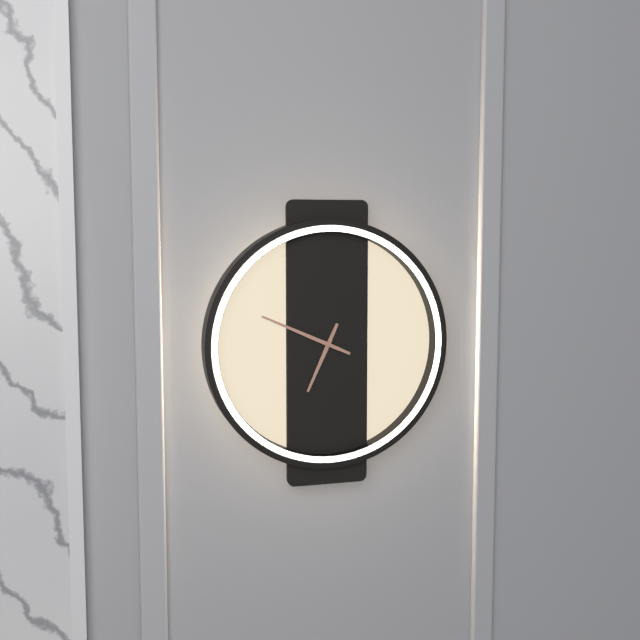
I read {"hour": 6, "minute": 49}
